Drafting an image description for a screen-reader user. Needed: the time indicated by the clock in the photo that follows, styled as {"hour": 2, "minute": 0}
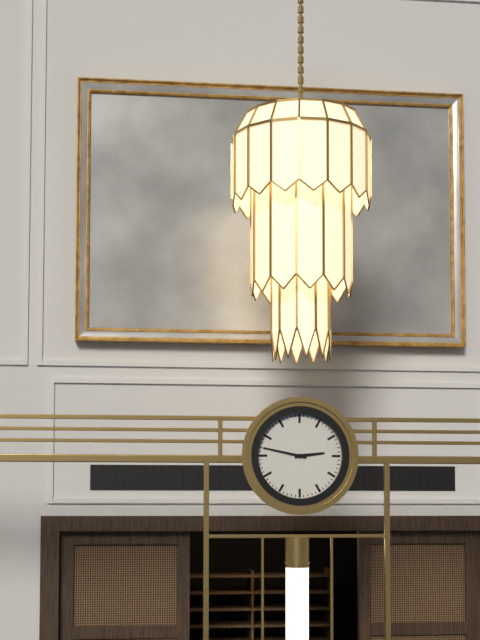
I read {"hour": 2, "minute": 47}
